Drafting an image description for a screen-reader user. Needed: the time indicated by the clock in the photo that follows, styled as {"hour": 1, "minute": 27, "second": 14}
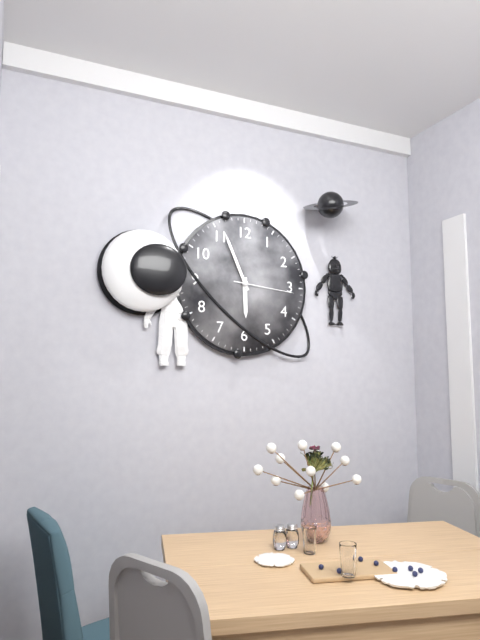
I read {"hour": 5, "minute": 56, "second": 16}
